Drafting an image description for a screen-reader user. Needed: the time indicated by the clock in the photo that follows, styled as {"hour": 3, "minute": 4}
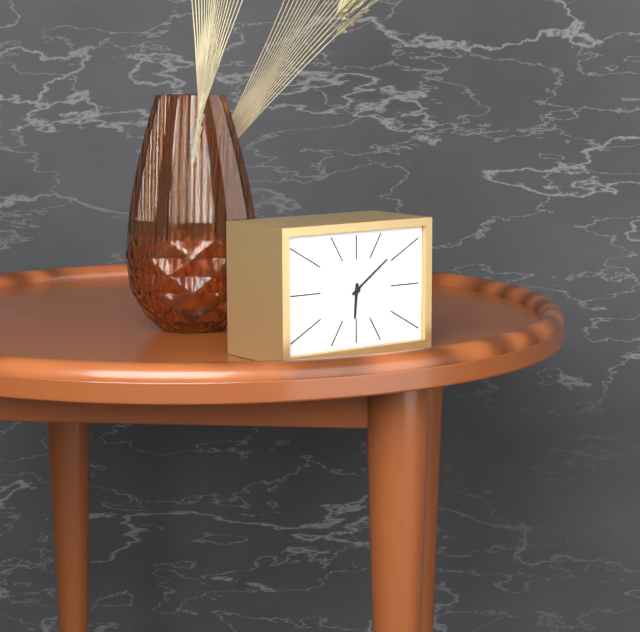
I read {"hour": 6, "minute": 9}
